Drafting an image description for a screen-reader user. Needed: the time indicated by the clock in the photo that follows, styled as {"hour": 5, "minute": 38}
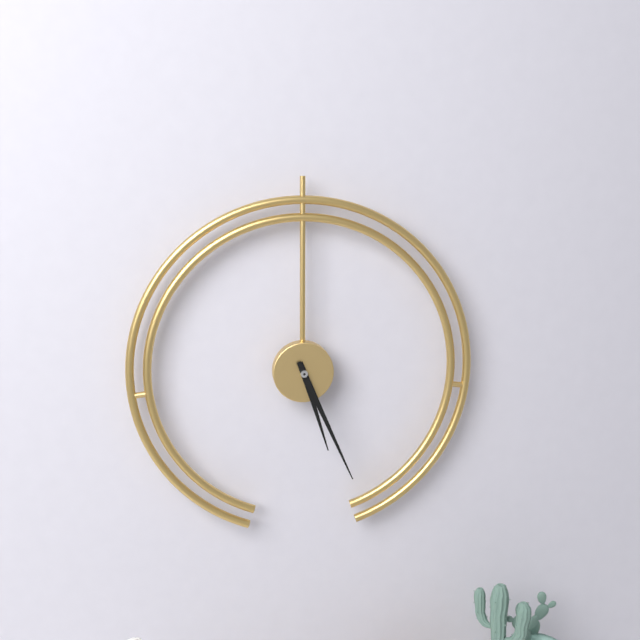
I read {"hour": 5, "minute": 26}
